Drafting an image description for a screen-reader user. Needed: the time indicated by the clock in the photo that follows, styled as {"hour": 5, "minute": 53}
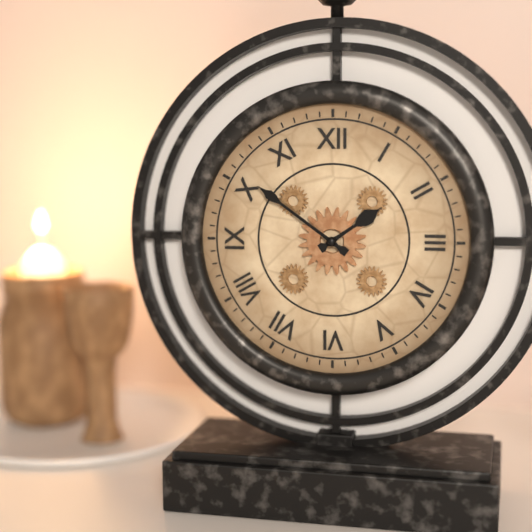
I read {"hour": 1, "minute": 51}
